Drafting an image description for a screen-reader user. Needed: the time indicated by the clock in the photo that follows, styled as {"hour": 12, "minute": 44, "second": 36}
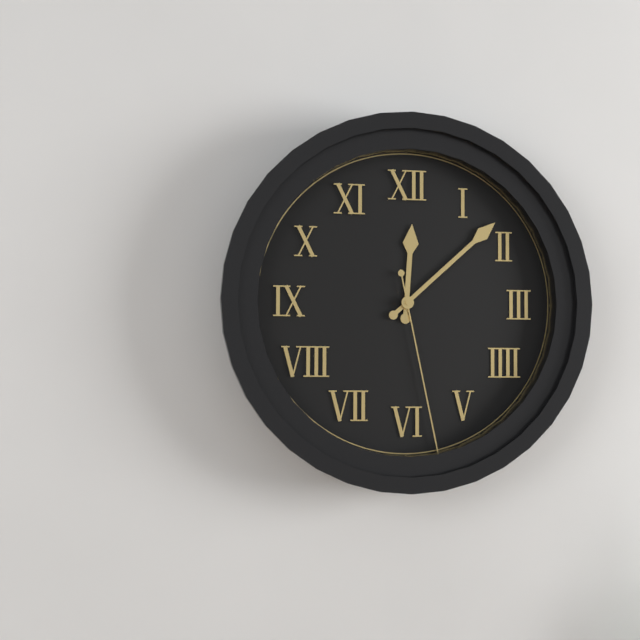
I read {"hour": 12, "minute": 8, "second": 28}
